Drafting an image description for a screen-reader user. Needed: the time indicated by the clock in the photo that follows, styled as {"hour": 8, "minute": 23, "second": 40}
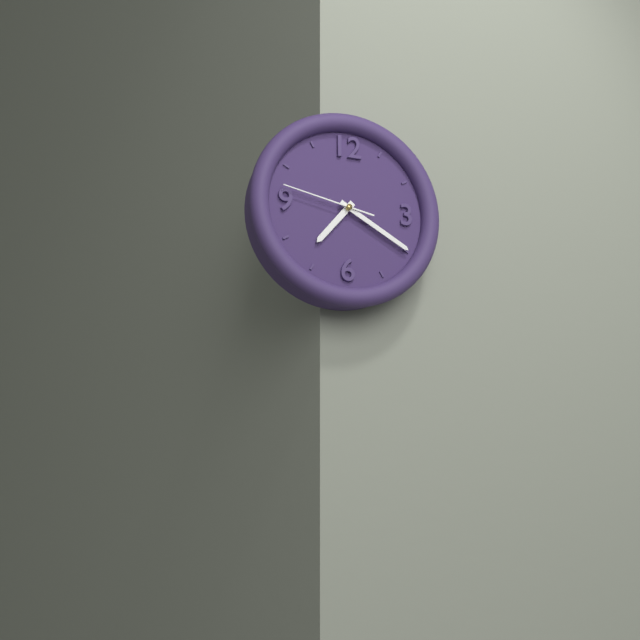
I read {"hour": 7, "minute": 20, "second": 47}
